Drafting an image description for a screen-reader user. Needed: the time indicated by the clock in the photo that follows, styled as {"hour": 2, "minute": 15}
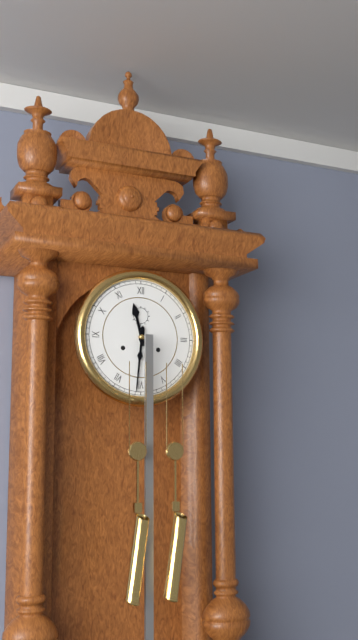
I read {"hour": 11, "minute": 31}
